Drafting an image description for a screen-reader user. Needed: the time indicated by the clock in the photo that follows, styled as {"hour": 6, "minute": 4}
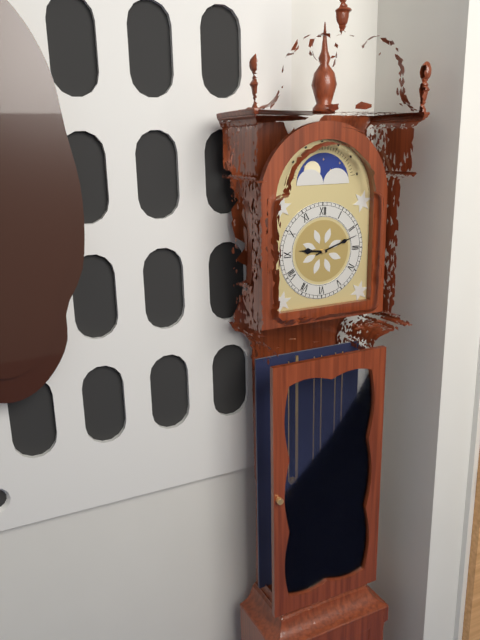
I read {"hour": 9, "minute": 12}
